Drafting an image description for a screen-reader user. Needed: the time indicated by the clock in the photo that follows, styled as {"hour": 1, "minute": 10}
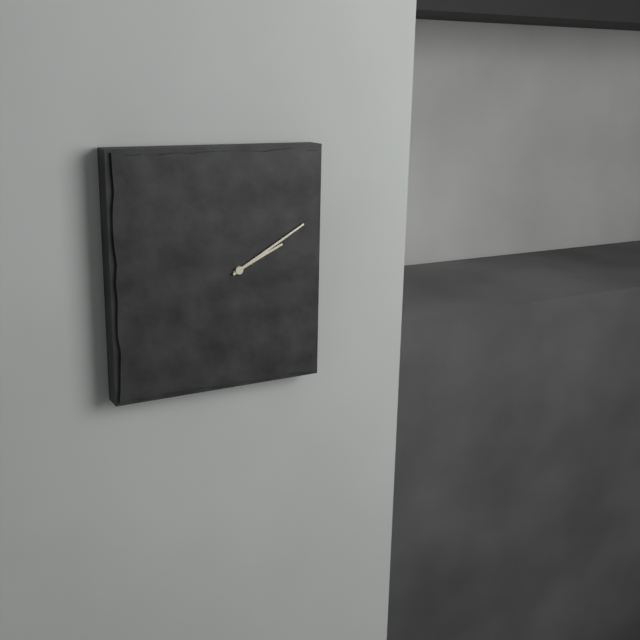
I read {"hour": 2, "minute": 10}
